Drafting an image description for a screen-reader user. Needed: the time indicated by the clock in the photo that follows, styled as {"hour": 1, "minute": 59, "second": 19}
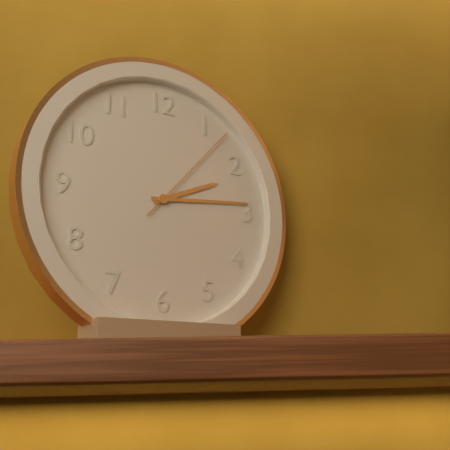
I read {"hour": 2, "minute": 14, "second": 7}
